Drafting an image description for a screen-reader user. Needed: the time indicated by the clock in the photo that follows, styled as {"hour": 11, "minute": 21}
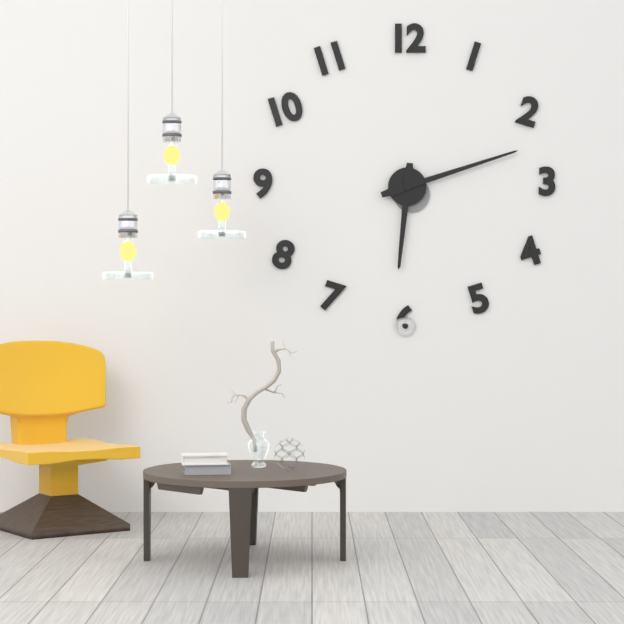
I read {"hour": 6, "minute": 12}
